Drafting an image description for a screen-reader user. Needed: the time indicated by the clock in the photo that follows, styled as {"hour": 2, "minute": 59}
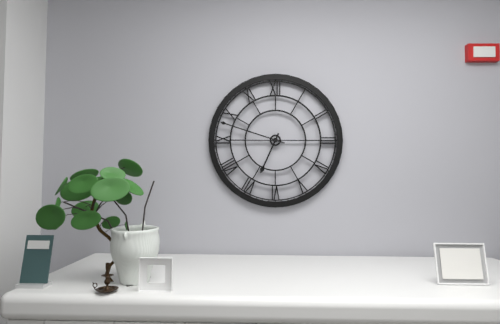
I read {"hour": 6, "minute": 48}
